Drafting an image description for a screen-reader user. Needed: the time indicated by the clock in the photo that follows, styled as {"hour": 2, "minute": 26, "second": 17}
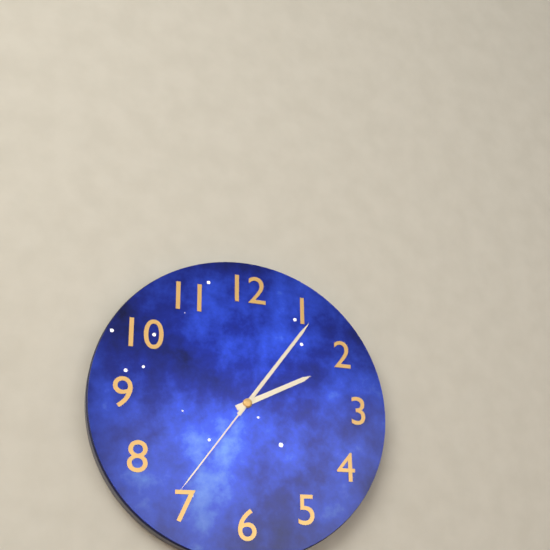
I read {"hour": 2, "minute": 6, "second": 36}
